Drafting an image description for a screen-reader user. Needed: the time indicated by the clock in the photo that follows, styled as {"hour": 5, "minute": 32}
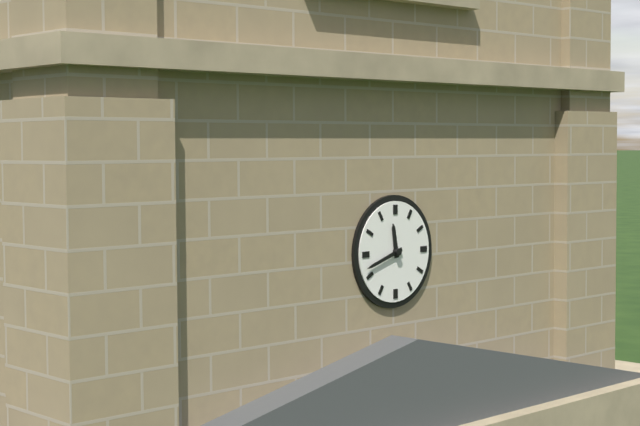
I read {"hour": 11, "minute": 42}
